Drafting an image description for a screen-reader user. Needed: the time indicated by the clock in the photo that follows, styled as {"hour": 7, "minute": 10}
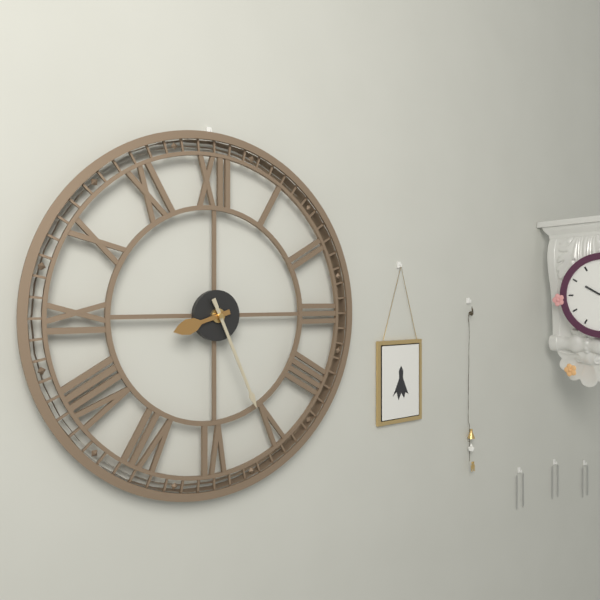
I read {"hour": 8, "minute": 26}
